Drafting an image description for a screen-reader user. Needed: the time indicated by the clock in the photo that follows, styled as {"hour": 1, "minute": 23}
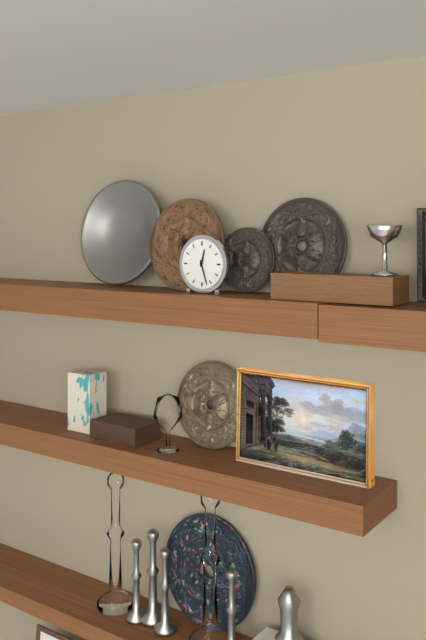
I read {"hour": 12, "minute": 27}
